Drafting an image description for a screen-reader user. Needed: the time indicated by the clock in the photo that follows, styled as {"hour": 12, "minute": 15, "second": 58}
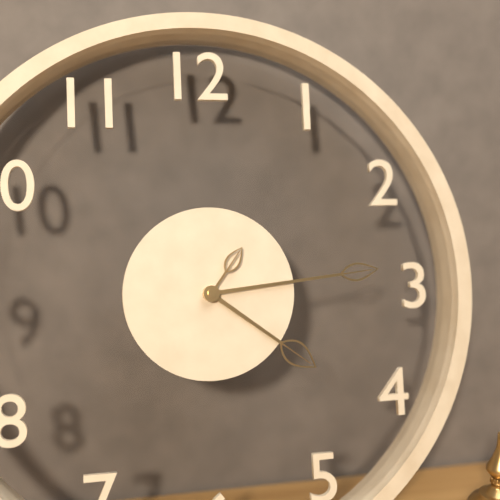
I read {"hour": 4, "minute": 14, "second": 6}
